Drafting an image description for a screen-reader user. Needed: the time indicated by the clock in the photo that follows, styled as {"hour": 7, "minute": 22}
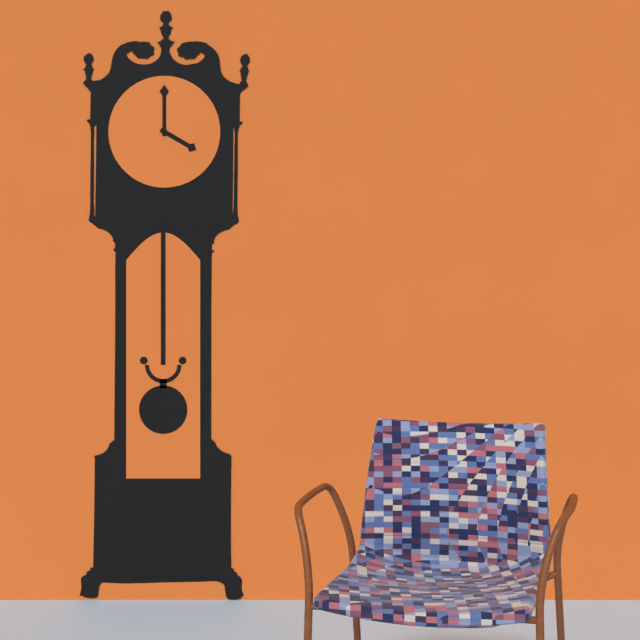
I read {"hour": 4, "minute": 0}
